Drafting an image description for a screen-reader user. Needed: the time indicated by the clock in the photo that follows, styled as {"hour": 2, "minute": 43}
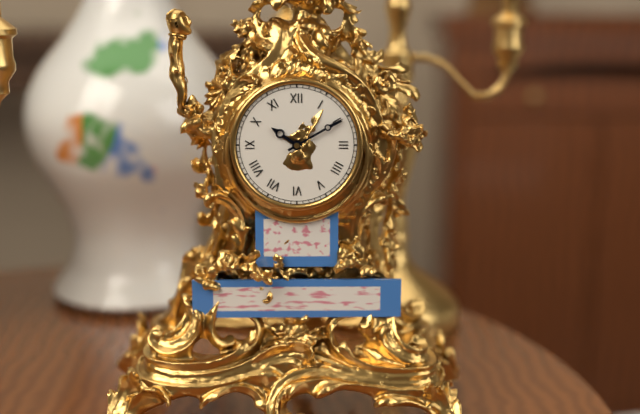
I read {"hour": 10, "minute": 10}
